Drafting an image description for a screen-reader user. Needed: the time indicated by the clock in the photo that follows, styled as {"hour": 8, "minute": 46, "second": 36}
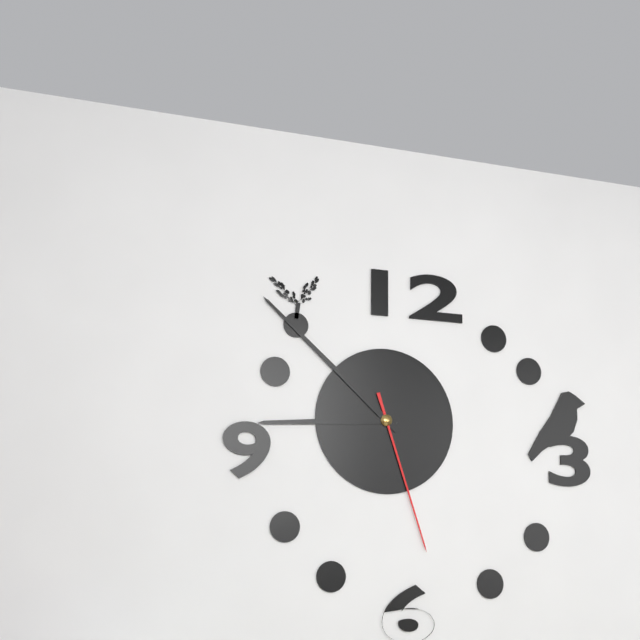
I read {"hour": 8, "minute": 52, "second": 27}
